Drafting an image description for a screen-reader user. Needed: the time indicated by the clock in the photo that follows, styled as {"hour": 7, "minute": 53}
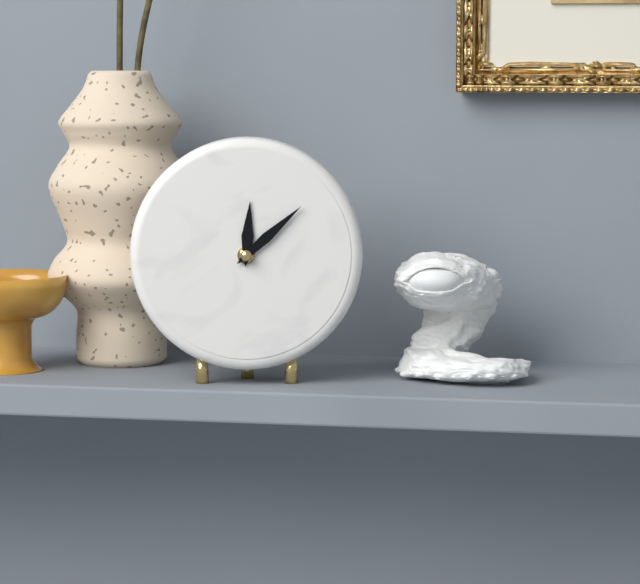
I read {"hour": 12, "minute": 8}
